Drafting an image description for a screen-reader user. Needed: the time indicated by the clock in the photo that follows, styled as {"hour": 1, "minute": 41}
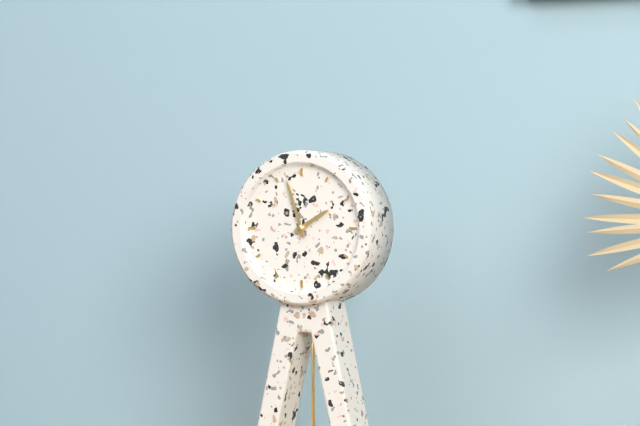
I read {"hour": 1, "minute": 57}
